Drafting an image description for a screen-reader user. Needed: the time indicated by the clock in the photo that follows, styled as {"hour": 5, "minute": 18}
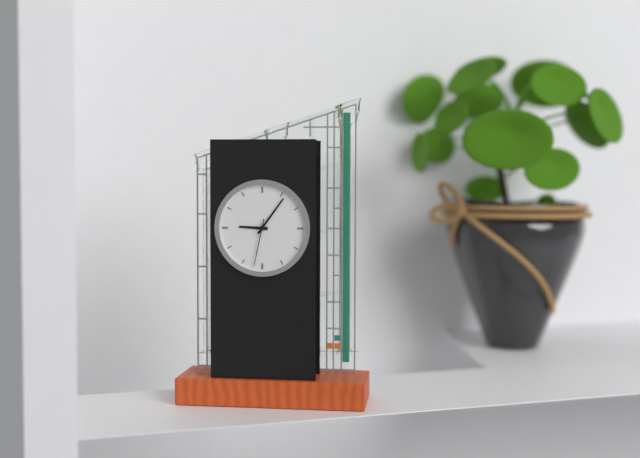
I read {"hour": 9, "minute": 6}
